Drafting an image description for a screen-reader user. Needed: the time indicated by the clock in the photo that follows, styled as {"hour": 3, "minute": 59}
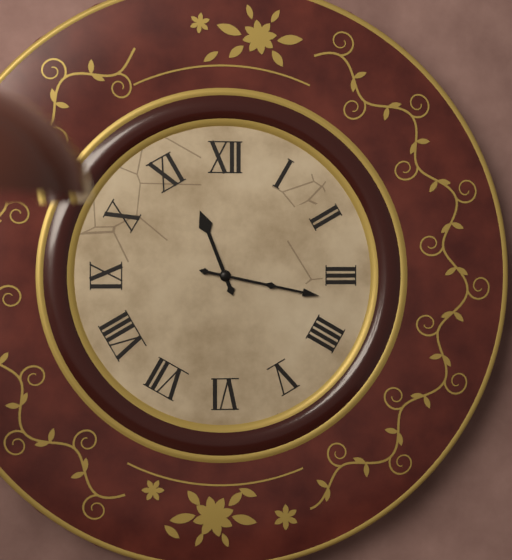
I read {"hour": 11, "minute": 17}
